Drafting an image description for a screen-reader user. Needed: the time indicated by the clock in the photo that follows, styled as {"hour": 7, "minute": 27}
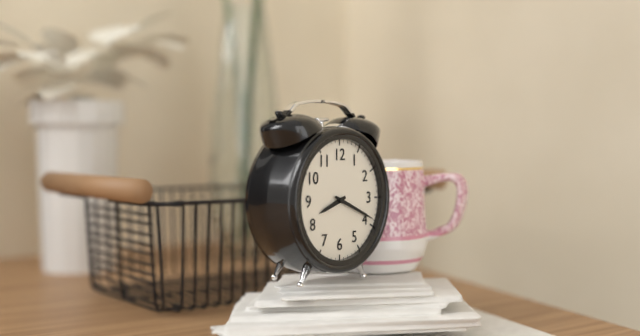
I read {"hour": 8, "minute": 19}
